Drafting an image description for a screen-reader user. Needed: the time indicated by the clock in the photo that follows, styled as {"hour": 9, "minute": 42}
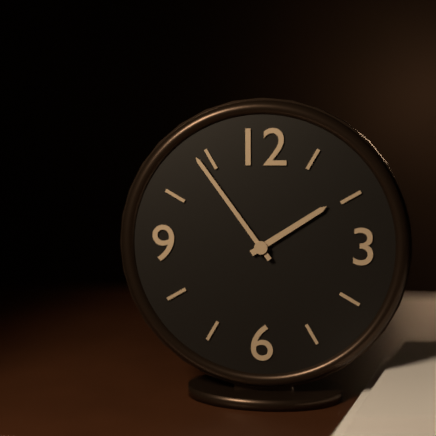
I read {"hour": 1, "minute": 54}
